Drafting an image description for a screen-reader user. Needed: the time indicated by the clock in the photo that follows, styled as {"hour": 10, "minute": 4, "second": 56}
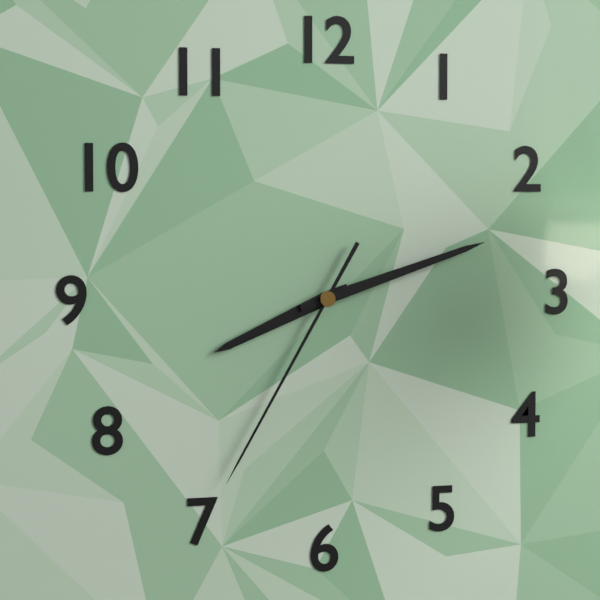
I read {"hour": 8, "minute": 12, "second": 35}
